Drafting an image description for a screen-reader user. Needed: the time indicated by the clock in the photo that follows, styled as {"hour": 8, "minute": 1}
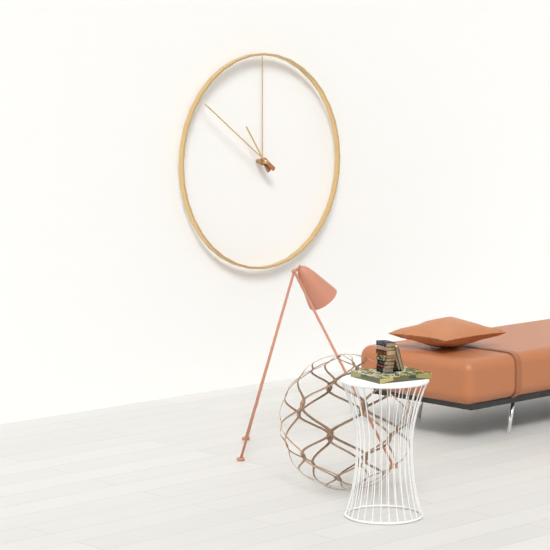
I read {"hour": 10, "minute": 51}
